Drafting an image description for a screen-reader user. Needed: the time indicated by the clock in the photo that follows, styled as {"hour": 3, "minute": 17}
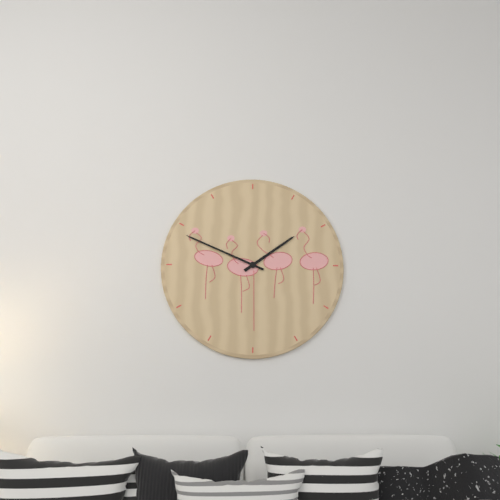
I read {"hour": 1, "minute": 49}
